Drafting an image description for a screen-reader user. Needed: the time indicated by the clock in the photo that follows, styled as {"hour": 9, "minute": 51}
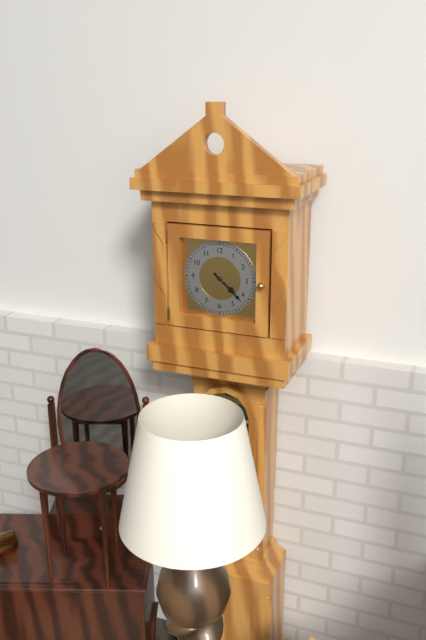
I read {"hour": 4, "minute": 22}
